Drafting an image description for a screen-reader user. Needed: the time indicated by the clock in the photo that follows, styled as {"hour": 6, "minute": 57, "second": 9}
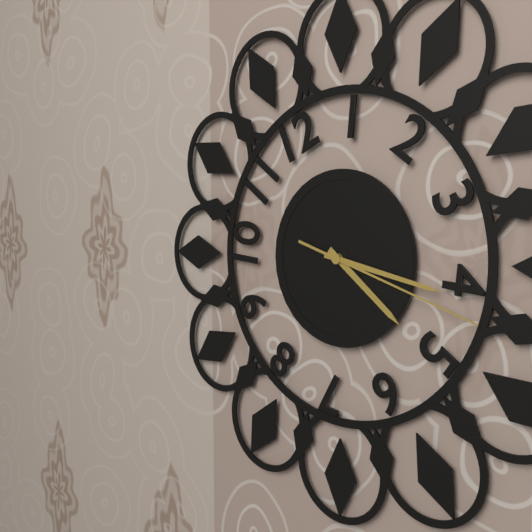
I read {"hour": 4, "minute": 17, "second": 18}
